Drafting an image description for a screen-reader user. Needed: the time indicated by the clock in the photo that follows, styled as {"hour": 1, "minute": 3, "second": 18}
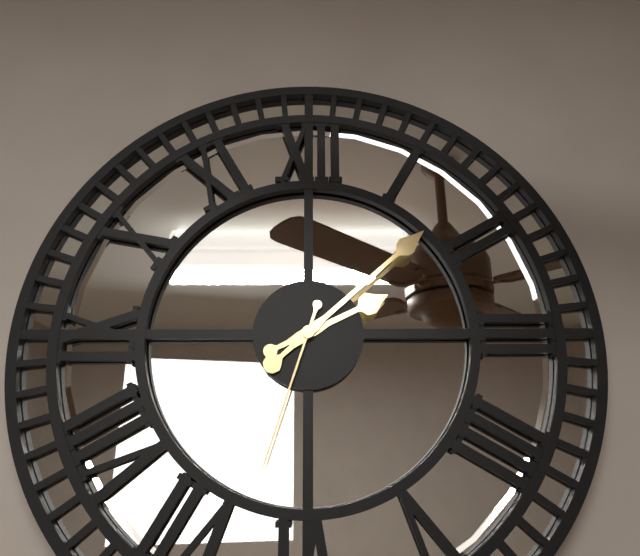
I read {"hour": 2, "minute": 8, "second": 33}
